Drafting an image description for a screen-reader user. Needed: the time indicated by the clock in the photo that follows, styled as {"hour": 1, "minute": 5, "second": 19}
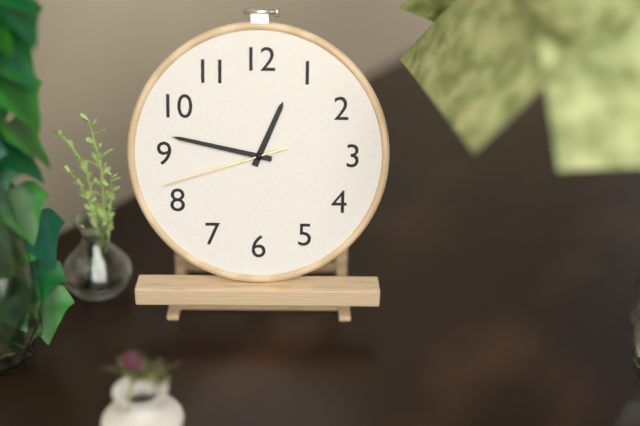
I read {"hour": 12, "minute": 47, "second": 42}
